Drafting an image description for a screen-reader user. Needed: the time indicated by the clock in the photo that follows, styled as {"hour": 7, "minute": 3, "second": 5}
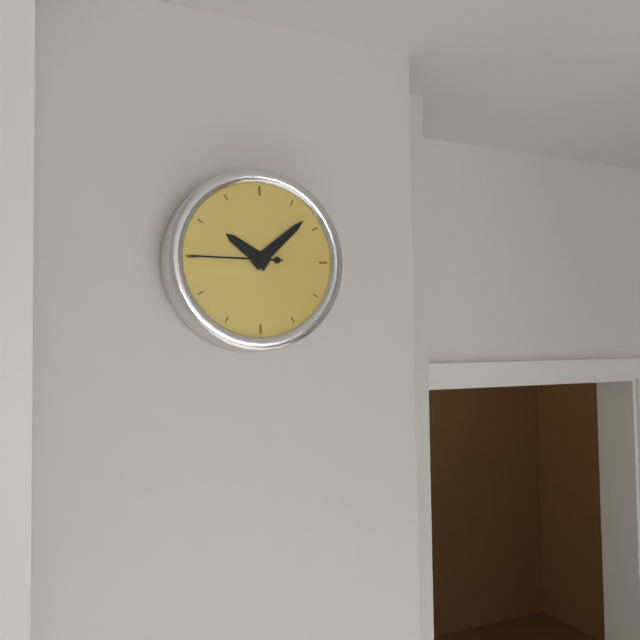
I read {"hour": 10, "minute": 8, "second": 45}
